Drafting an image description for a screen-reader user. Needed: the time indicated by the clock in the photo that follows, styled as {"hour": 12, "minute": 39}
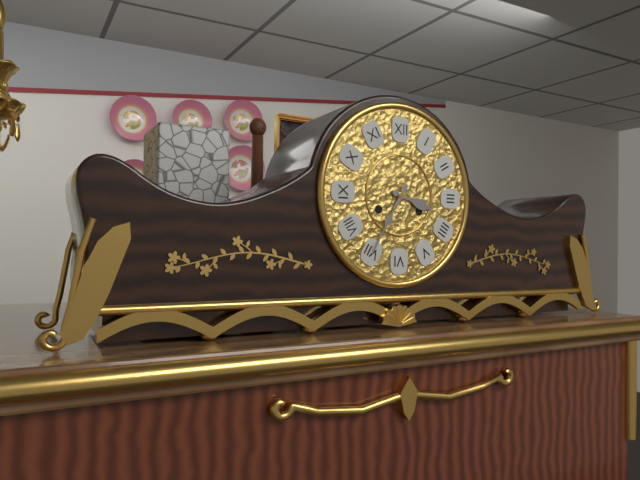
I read {"hour": 3, "minute": 35}
